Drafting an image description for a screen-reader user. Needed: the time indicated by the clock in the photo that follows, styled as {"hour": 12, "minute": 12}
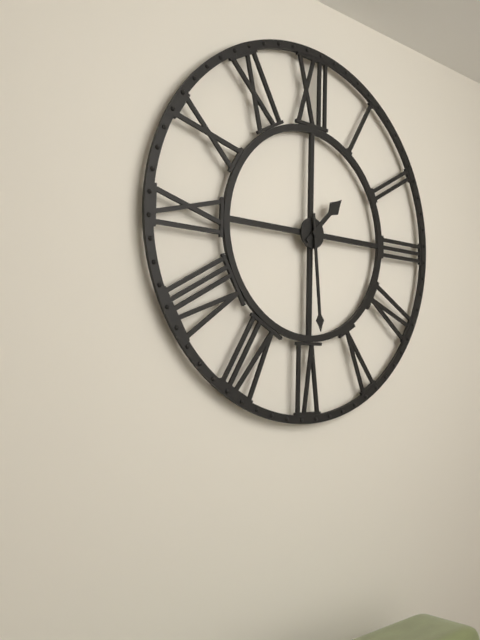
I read {"hour": 1, "minute": 29}
